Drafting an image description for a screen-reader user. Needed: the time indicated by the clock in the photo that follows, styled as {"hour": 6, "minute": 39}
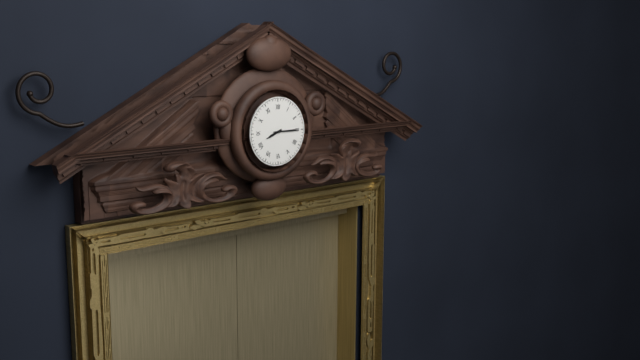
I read {"hour": 8, "minute": 15}
